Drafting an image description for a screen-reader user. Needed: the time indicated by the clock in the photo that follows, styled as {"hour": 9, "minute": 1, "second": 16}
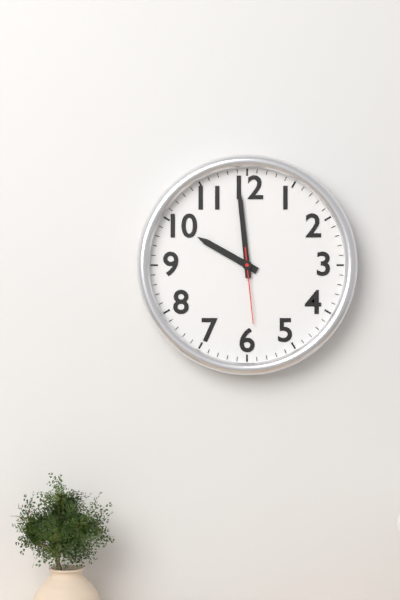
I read {"hour": 9, "minute": 59, "second": 29}
